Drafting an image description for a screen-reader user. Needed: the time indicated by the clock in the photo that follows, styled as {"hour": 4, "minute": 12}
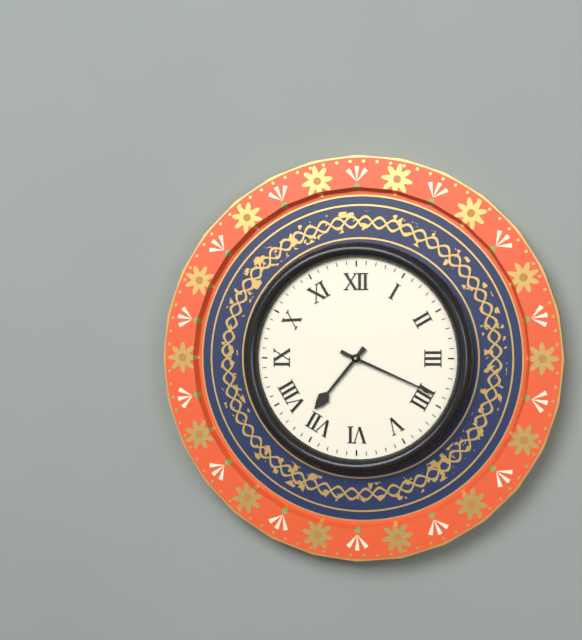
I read {"hour": 7, "minute": 19}
